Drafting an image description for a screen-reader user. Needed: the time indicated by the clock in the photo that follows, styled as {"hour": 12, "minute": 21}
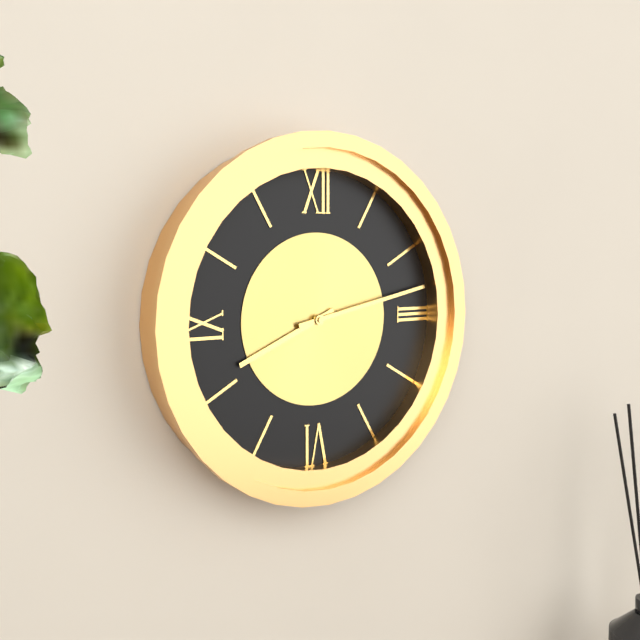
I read {"hour": 8, "minute": 13}
